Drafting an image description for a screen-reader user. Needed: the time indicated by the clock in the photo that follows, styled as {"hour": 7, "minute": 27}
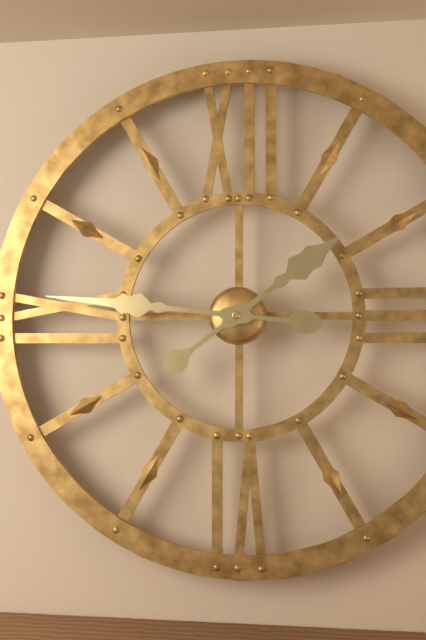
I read {"hour": 1, "minute": 46}
